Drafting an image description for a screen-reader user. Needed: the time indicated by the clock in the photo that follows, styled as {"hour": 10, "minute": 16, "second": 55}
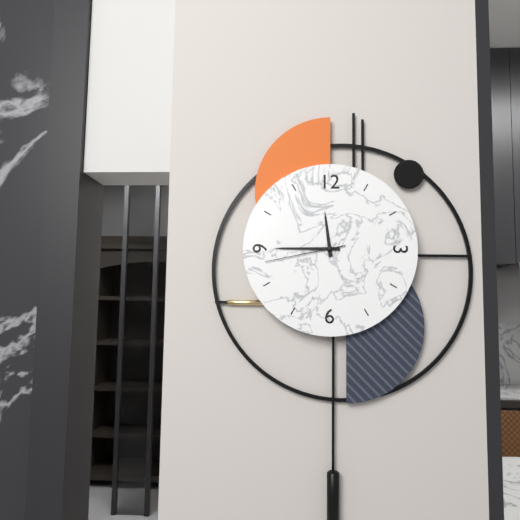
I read {"hour": 11, "minute": 45, "second": 43}
